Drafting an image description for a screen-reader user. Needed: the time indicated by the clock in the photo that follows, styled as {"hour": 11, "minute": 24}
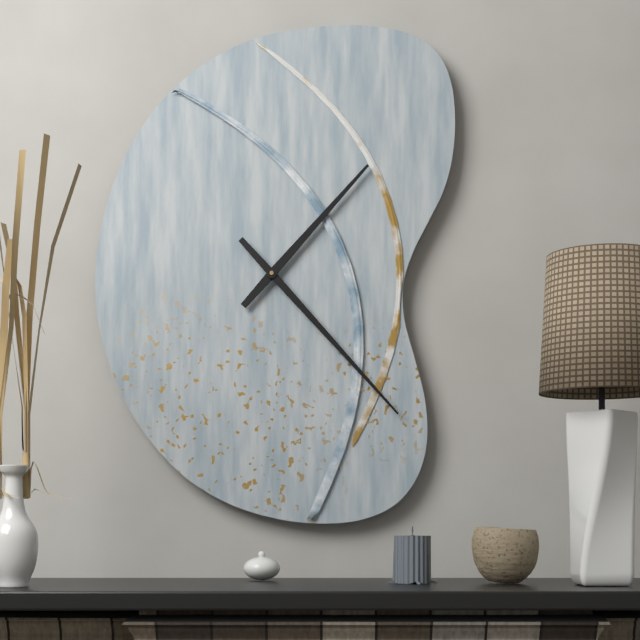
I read {"hour": 1, "minute": 23}
